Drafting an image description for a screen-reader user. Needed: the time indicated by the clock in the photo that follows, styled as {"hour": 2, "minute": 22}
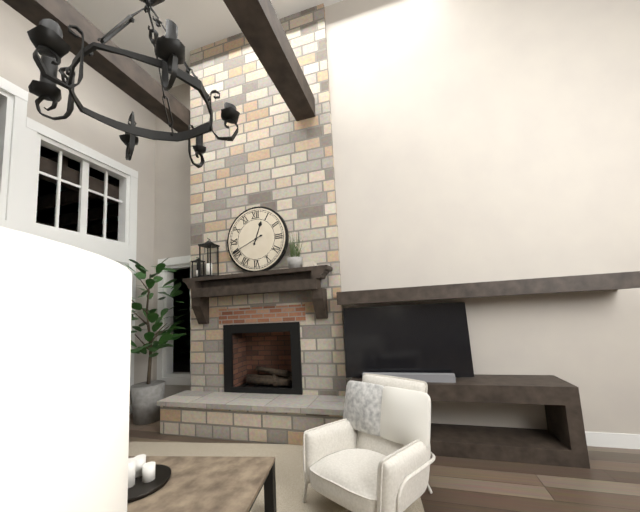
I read {"hour": 12, "minute": 41}
